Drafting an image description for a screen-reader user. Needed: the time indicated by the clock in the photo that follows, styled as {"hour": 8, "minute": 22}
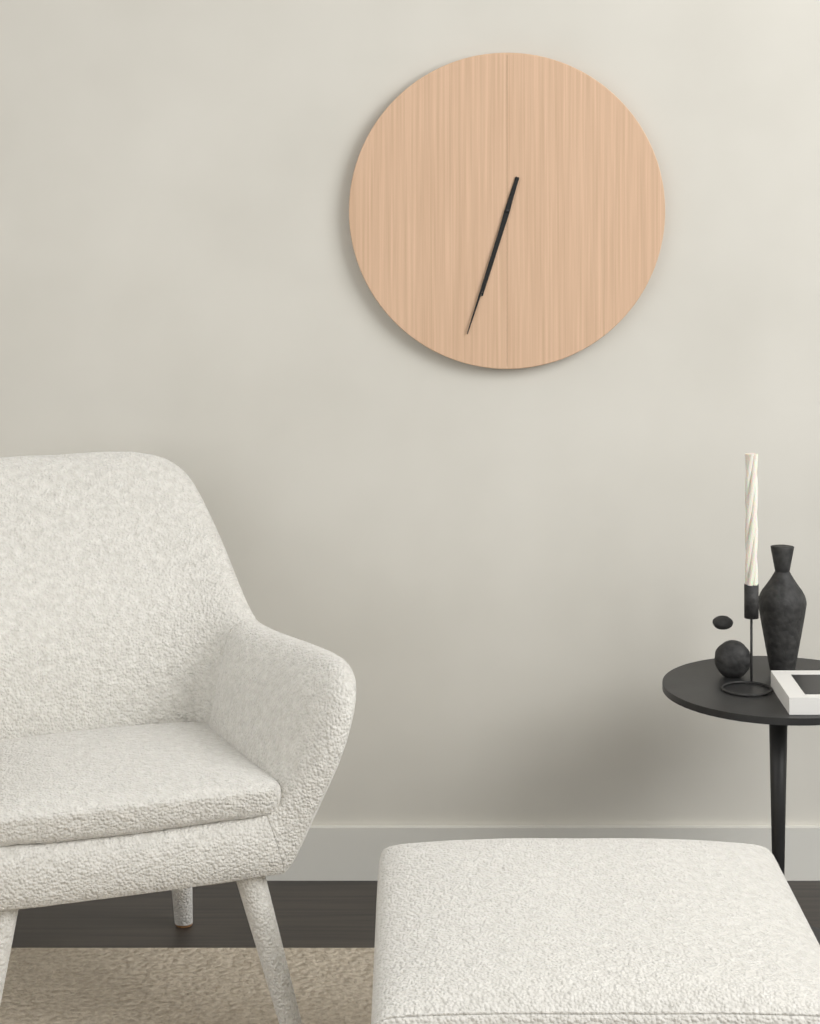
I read {"hour": 6, "minute": 33}
